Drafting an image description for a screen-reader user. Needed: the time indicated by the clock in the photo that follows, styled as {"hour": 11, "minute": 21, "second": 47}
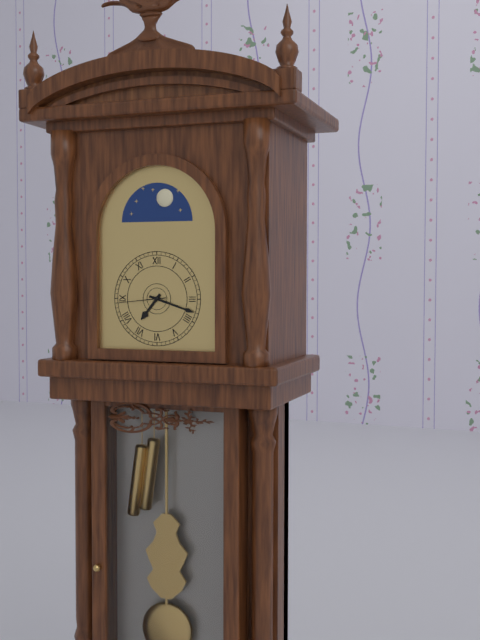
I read {"hour": 7, "minute": 18, "second": 44}
